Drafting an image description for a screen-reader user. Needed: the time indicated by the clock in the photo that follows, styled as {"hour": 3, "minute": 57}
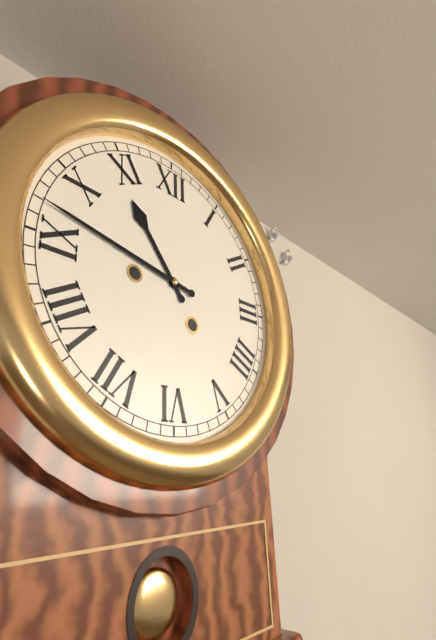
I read {"hour": 10, "minute": 47}
